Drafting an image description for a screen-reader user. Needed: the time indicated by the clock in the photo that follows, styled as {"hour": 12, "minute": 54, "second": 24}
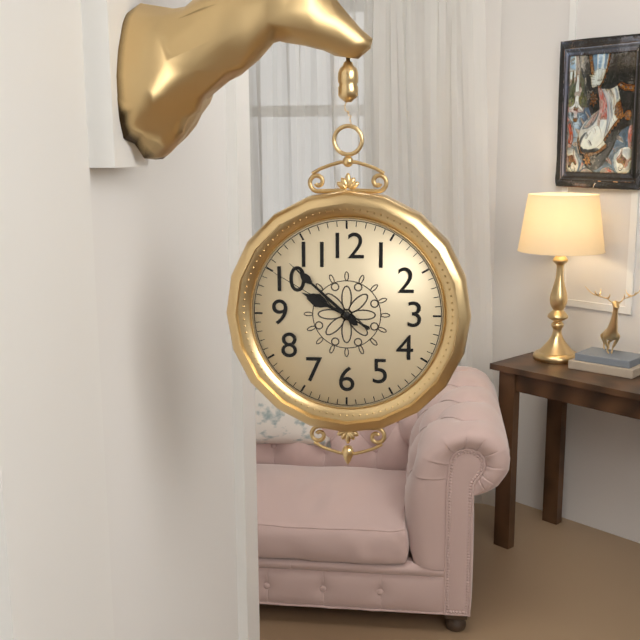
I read {"hour": 9, "minute": 52, "second": 50}
